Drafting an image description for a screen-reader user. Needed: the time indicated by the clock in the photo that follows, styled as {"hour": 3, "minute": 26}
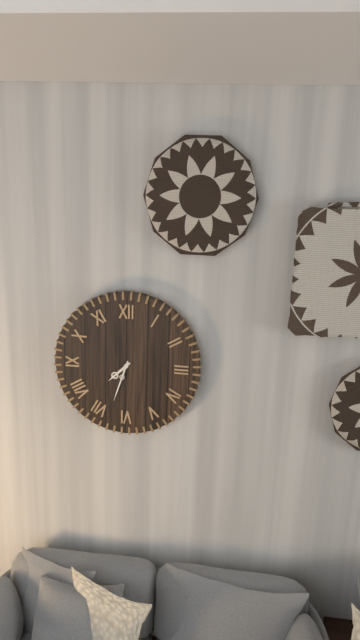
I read {"hour": 7, "minute": 33}
